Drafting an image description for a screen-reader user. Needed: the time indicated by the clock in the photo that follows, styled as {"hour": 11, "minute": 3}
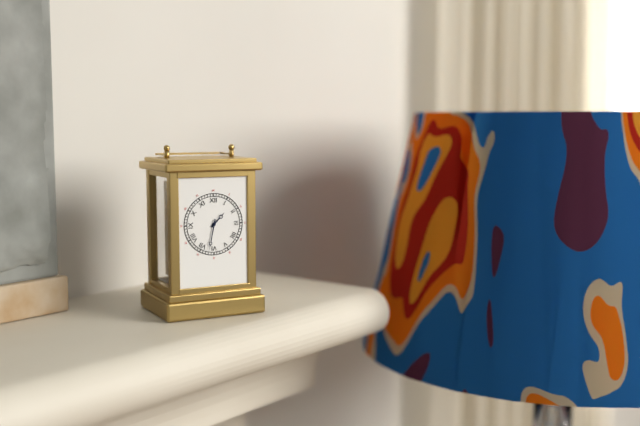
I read {"hour": 1, "minute": 32}
